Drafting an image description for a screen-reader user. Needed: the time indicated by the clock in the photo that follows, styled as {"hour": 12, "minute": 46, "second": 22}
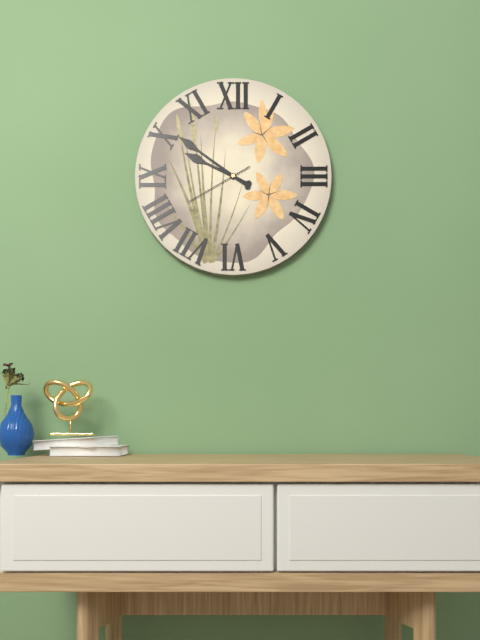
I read {"hour": 9, "minute": 51, "second": 40}
